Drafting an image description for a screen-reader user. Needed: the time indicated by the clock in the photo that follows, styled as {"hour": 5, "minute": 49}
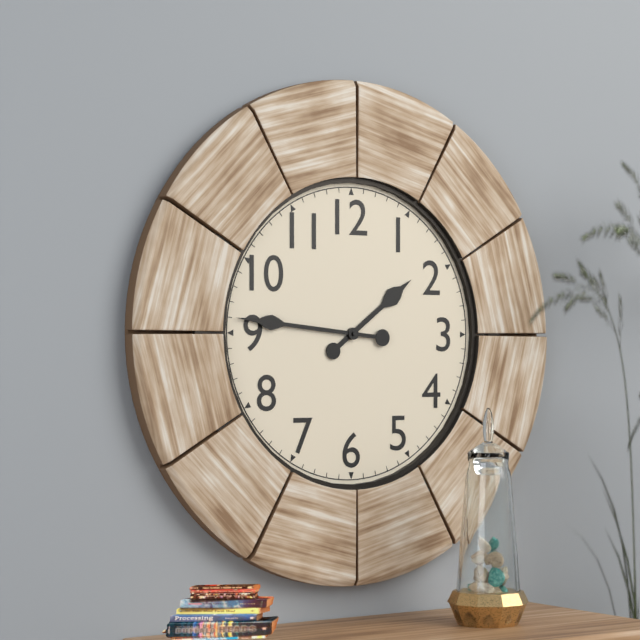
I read {"hour": 1, "minute": 46}
